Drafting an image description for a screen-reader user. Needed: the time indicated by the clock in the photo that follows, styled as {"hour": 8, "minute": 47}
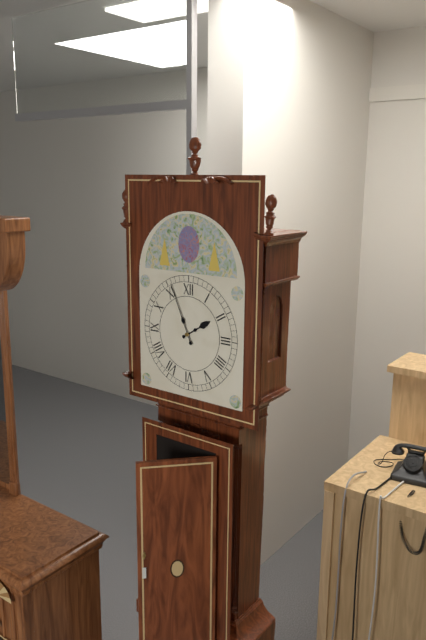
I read {"hour": 1, "minute": 56}
